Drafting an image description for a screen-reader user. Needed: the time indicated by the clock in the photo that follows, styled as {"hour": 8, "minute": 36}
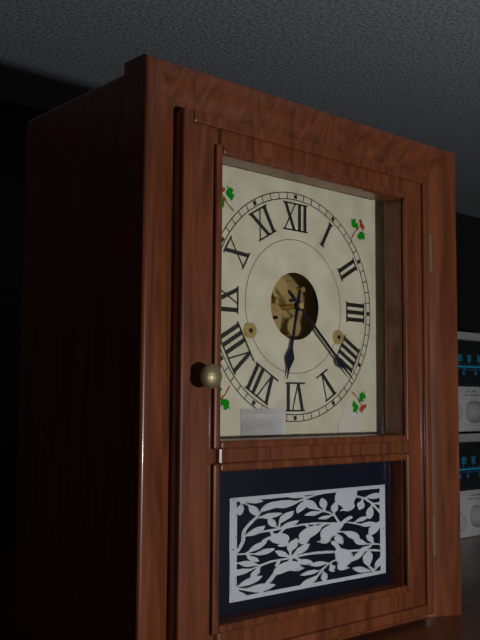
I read {"hour": 6, "minute": 22}
